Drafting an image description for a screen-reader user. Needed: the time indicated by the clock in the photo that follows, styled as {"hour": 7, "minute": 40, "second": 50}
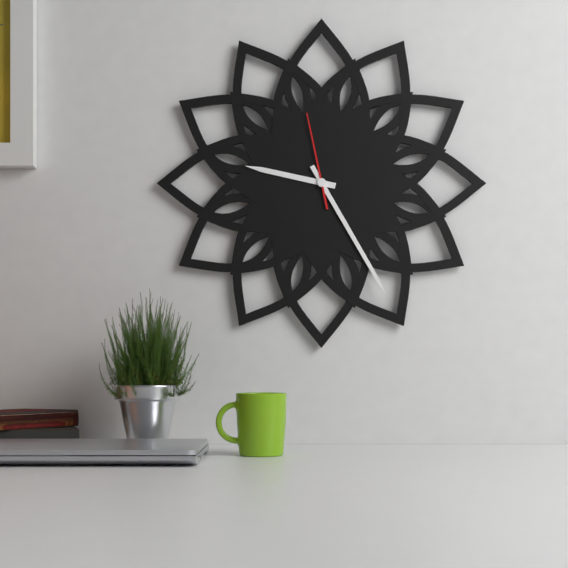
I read {"hour": 9, "minute": 25, "second": 58}
